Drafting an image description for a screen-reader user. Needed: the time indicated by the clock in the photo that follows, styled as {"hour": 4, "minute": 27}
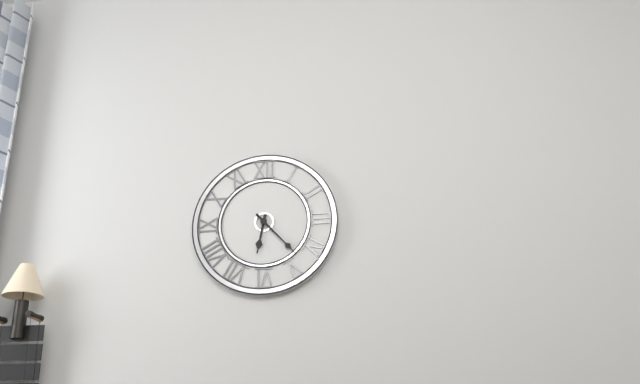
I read {"hour": 6, "minute": 23}
